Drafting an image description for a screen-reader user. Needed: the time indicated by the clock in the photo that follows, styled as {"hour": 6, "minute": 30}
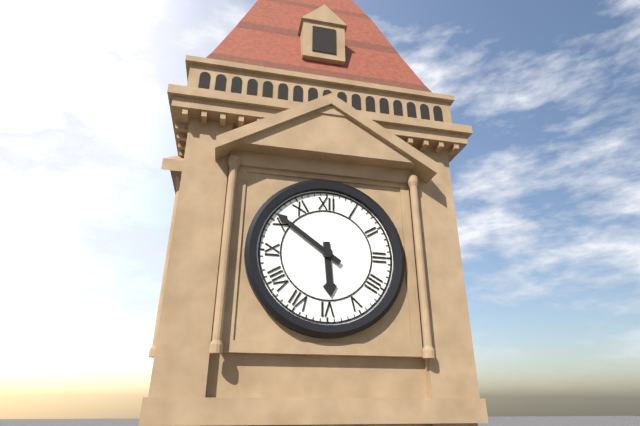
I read {"hour": 5, "minute": 51}
